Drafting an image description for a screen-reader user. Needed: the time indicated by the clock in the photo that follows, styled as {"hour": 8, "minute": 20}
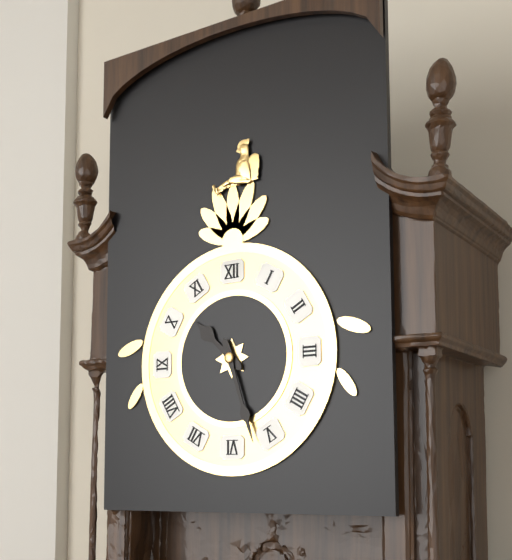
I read {"hour": 10, "minute": 27}
